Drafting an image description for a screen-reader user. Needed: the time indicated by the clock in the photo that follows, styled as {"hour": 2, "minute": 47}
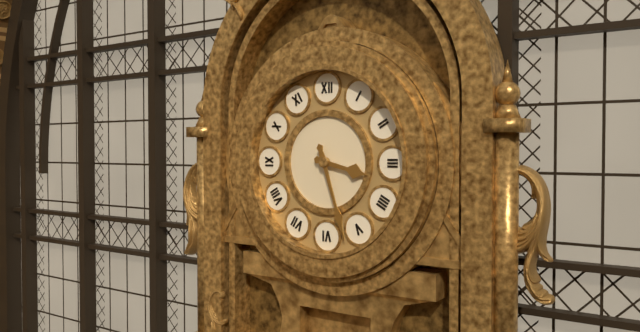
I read {"hour": 3, "minute": 27}
